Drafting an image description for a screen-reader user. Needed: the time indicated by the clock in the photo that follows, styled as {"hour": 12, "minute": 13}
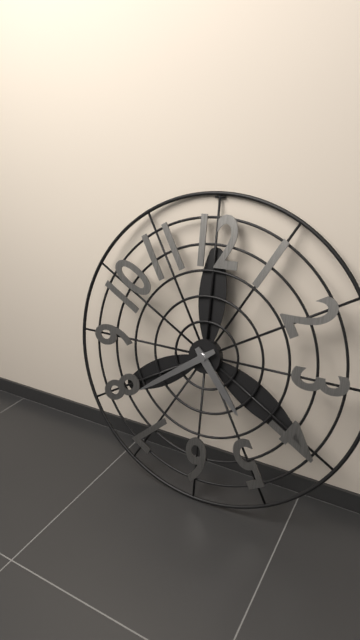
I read {"hour": 4, "minute": 39}
